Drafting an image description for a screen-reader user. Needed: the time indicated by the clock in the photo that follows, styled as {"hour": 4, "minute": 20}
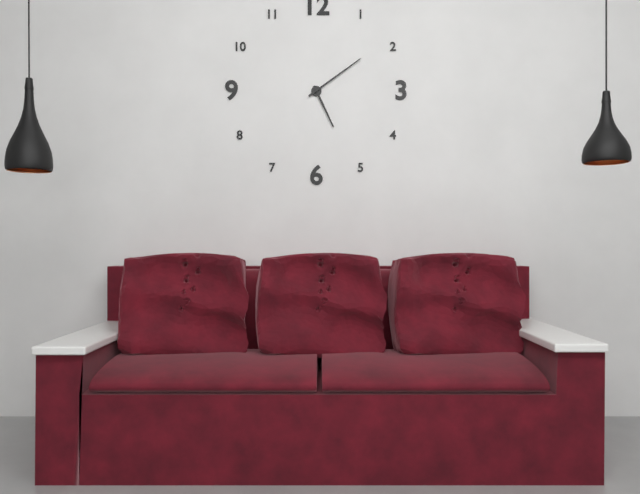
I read {"hour": 5, "minute": 9}
